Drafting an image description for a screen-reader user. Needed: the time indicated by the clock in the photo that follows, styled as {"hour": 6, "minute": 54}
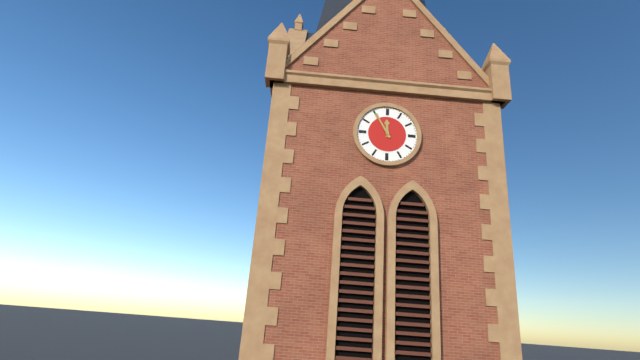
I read {"hour": 11, "minute": 55}
